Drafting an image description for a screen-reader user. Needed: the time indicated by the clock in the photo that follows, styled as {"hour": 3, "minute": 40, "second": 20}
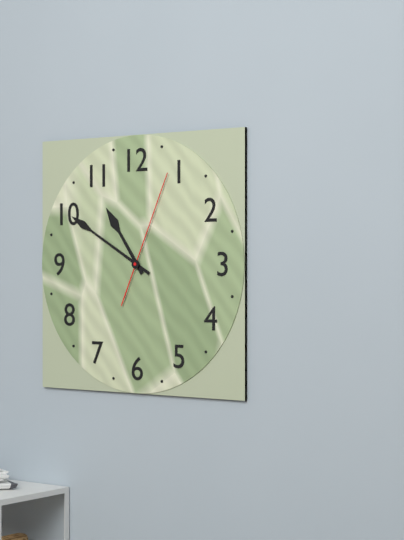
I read {"hour": 10, "minute": 50, "second": 4}
